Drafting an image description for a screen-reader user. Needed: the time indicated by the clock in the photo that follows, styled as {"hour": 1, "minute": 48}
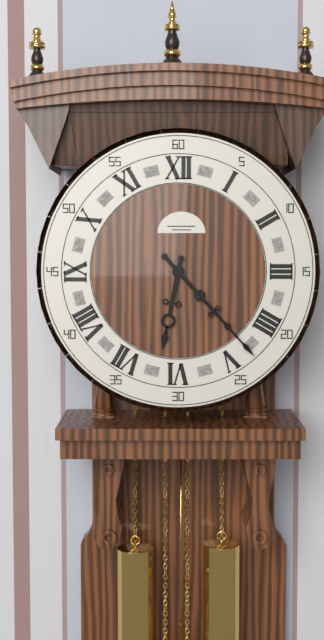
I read {"hour": 6, "minute": 23}
